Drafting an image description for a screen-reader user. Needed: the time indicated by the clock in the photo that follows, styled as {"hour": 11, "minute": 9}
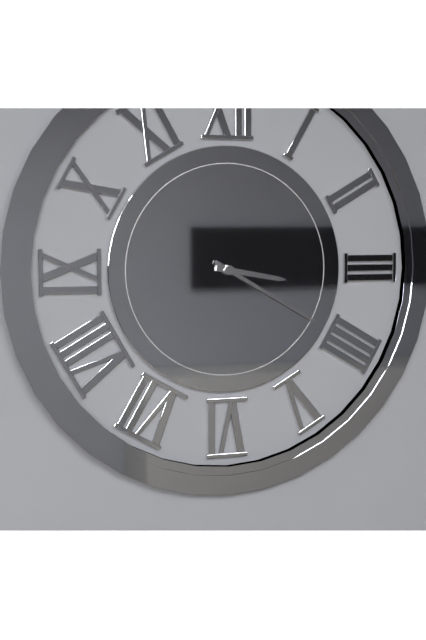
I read {"hour": 3, "minute": 20}
